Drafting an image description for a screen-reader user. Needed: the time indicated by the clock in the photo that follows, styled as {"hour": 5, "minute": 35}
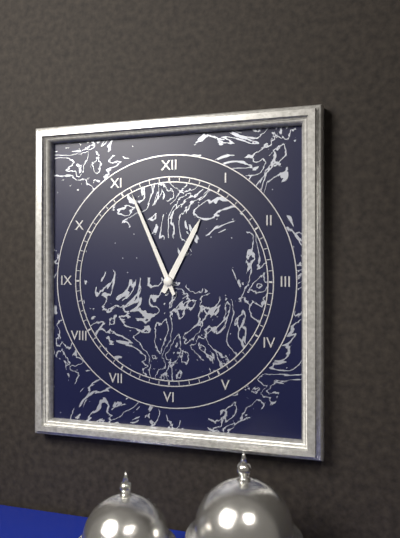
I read {"hour": 12, "minute": 56}
